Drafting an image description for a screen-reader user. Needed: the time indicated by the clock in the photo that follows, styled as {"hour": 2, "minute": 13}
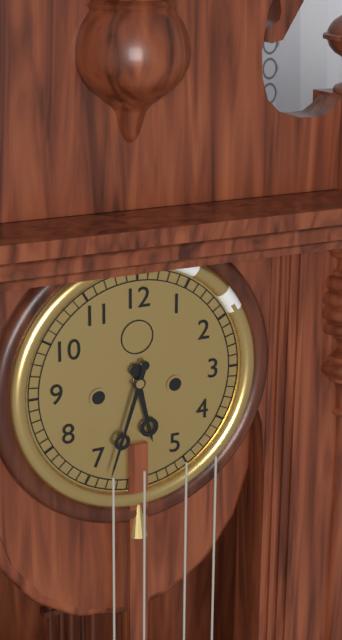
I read {"hour": 5, "minute": 33}
